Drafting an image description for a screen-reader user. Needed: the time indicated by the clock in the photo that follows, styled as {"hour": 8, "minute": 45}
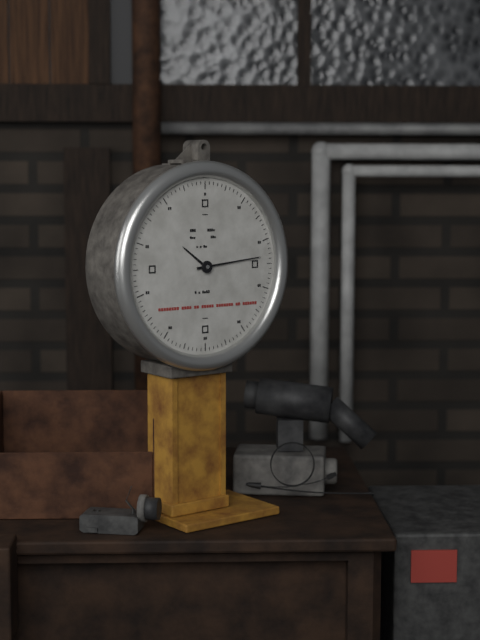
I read {"hour": 10, "minute": 14}
